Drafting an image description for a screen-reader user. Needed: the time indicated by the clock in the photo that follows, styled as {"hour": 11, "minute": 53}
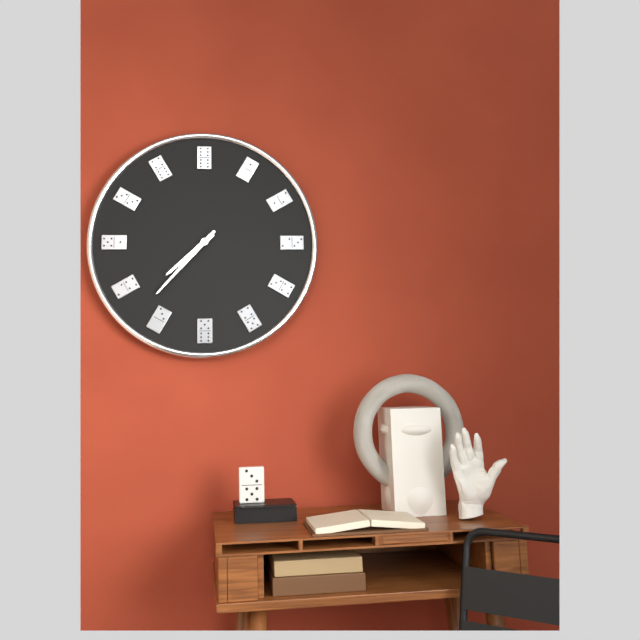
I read {"hour": 7, "minute": 37}
